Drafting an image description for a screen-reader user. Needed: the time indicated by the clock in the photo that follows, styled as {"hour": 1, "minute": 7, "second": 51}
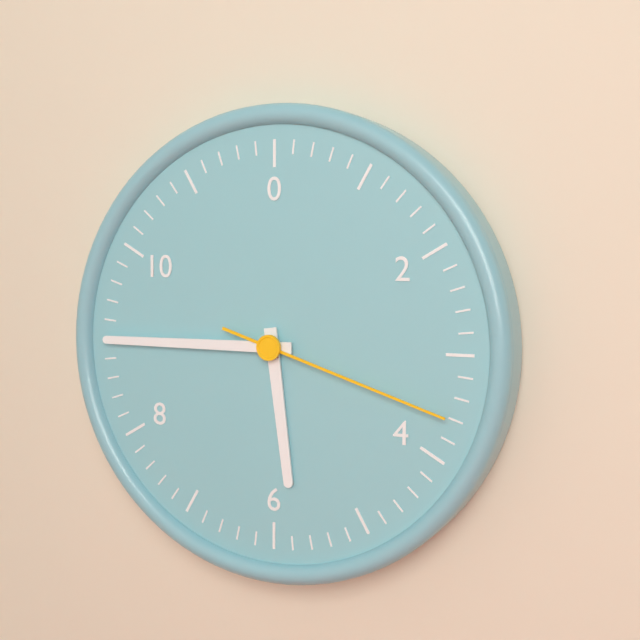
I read {"hour": 5, "minute": 45, "second": 18}
